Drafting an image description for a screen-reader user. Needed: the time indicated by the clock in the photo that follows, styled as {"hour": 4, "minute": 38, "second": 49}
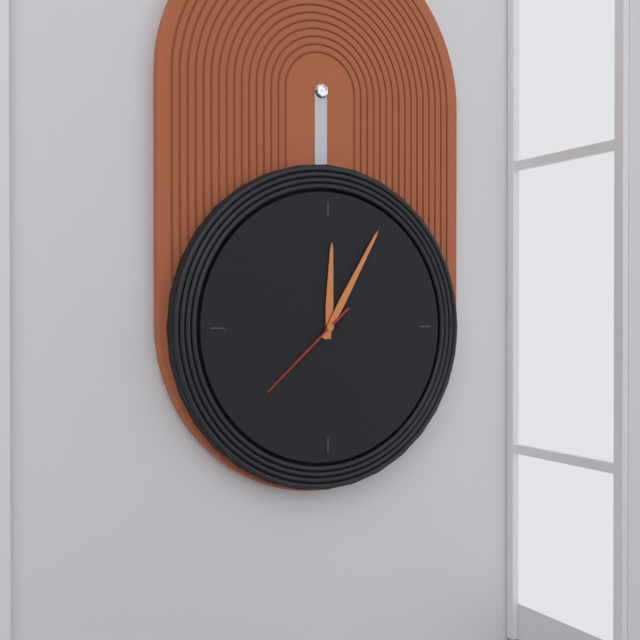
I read {"hour": 12, "minute": 5, "second": 38}
